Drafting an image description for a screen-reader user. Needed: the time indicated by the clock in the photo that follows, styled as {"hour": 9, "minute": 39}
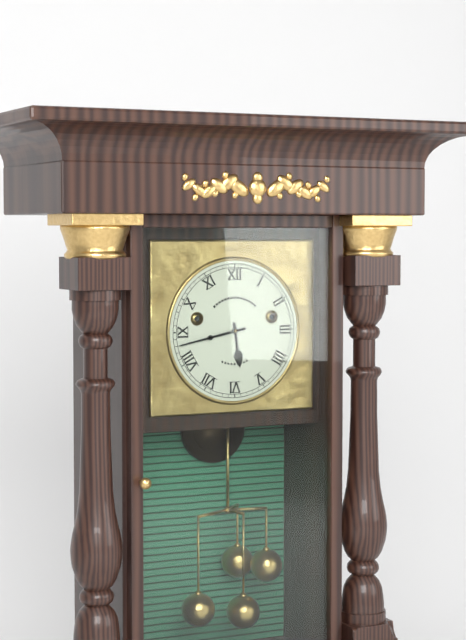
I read {"hour": 5, "minute": 43}
